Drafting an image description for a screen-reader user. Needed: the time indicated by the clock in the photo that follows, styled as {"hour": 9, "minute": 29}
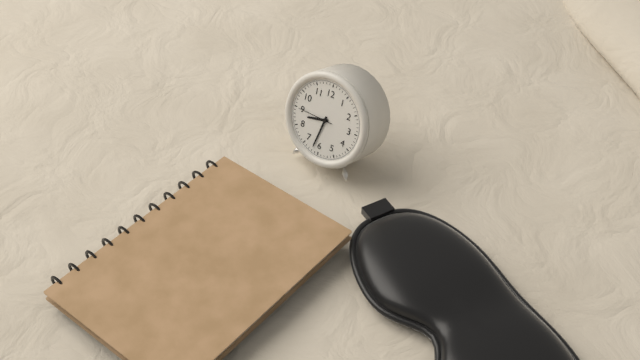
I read {"hour": 8, "minute": 32}
